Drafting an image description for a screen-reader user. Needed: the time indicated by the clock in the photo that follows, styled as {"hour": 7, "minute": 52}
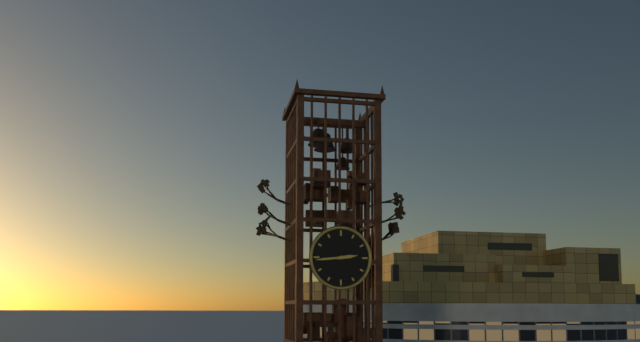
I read {"hour": 2, "minute": 44}
